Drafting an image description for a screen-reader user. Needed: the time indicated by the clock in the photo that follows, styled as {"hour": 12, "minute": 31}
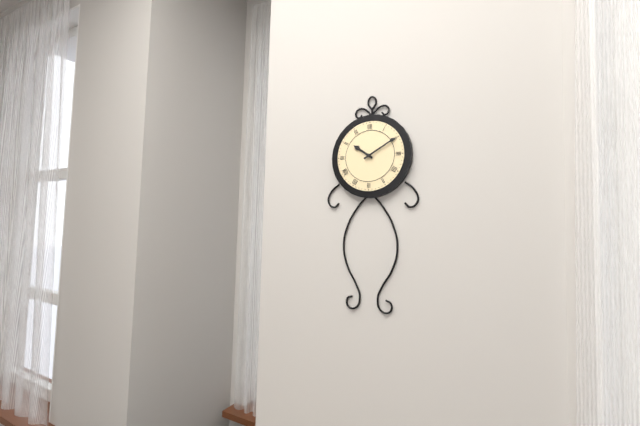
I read {"hour": 10, "minute": 10}
